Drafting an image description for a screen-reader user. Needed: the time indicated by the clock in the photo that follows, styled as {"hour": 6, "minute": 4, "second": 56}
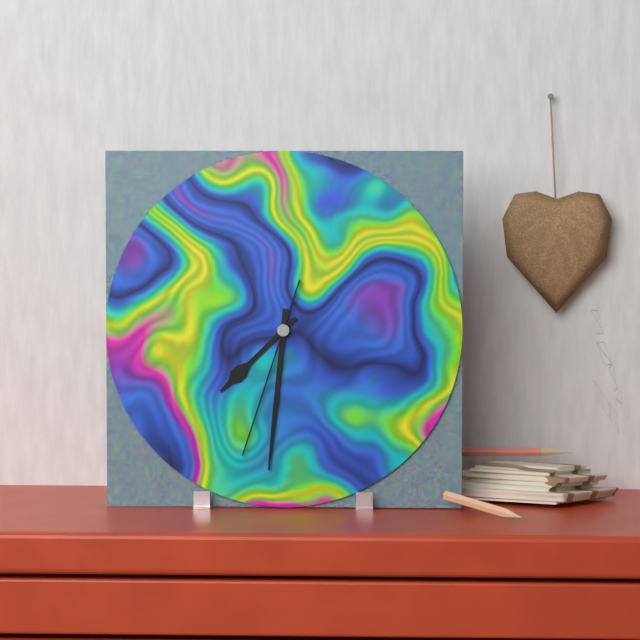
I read {"hour": 7, "minute": 31, "second": 33}
